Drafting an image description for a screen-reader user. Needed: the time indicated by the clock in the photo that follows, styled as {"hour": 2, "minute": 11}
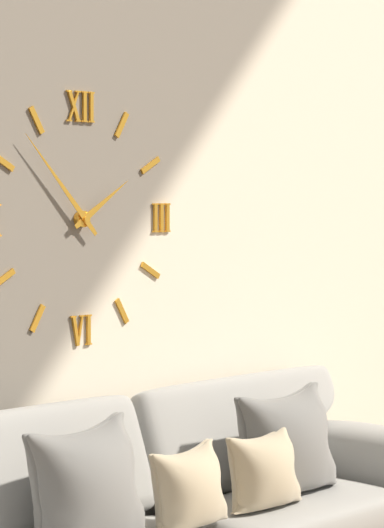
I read {"hour": 1, "minute": 53}
